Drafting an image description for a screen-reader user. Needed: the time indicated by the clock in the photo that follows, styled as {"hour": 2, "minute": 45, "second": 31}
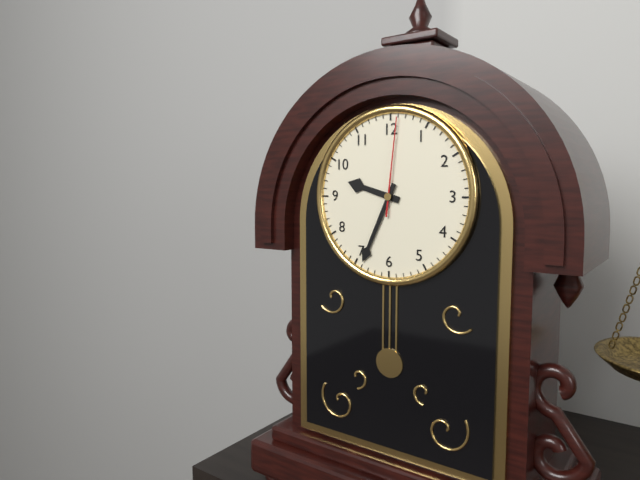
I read {"hour": 9, "minute": 34, "second": 1}
